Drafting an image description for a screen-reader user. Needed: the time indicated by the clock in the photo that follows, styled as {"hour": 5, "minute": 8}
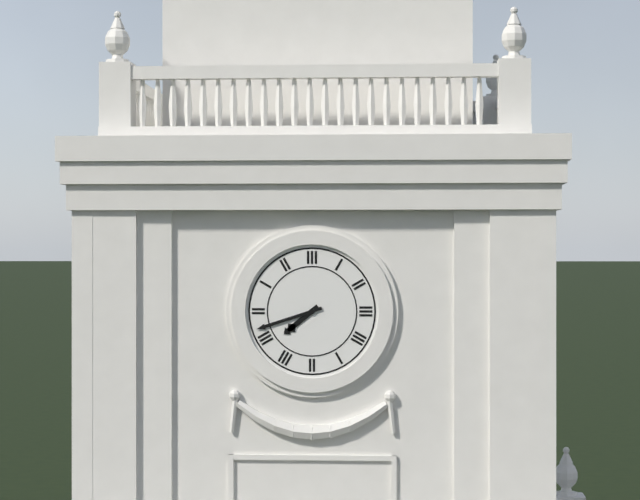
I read {"hour": 7, "minute": 42}
